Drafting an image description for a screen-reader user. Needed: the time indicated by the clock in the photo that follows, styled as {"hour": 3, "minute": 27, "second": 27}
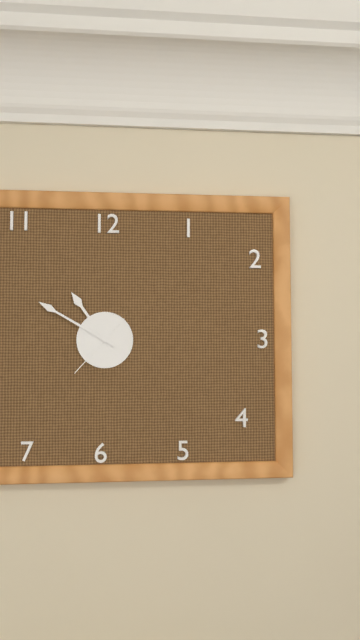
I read {"hour": 10, "minute": 50, "second": 37}
